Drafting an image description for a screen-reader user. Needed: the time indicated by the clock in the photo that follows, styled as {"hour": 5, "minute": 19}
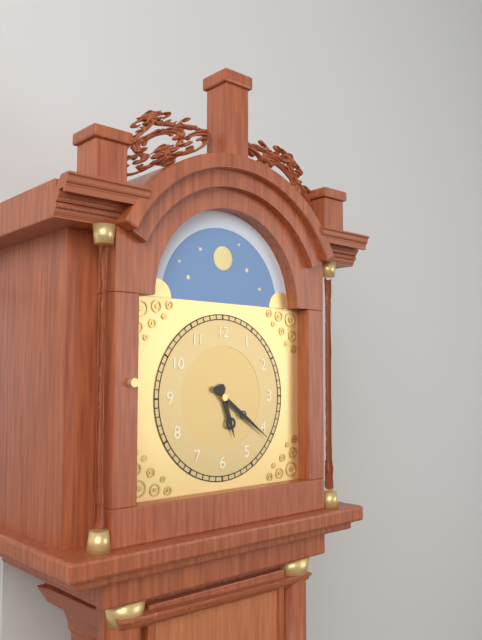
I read {"hour": 5, "minute": 21}
